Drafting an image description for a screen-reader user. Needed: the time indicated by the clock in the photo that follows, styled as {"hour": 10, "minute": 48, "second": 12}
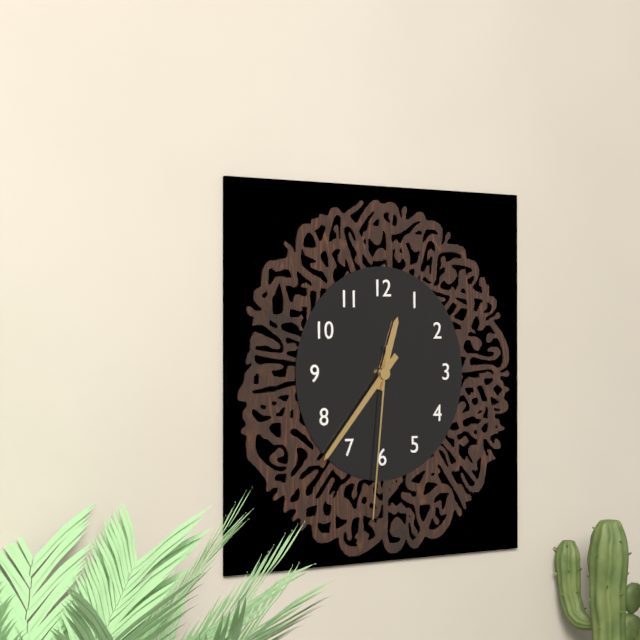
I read {"hour": 12, "minute": 37, "second": 31}
